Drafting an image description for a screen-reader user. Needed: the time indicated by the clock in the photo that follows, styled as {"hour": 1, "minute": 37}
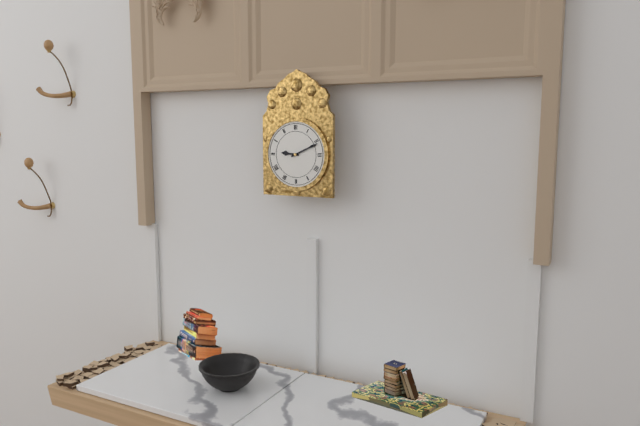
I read {"hour": 9, "minute": 11}
